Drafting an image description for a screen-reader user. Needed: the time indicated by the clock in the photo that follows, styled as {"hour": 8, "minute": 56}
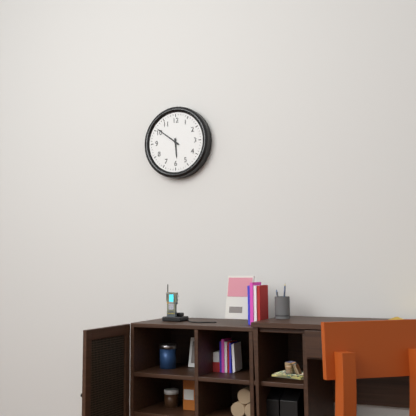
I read {"hour": 5, "minute": 51}
